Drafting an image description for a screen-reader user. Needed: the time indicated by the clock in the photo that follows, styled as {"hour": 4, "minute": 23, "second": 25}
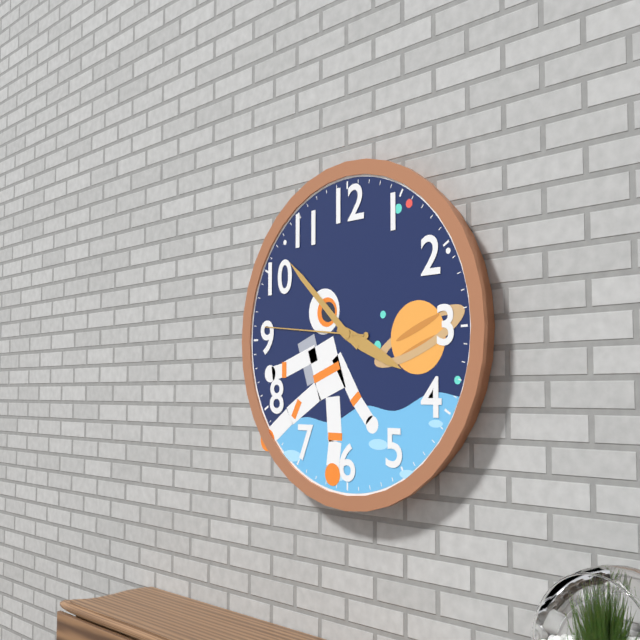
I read {"hour": 3, "minute": 52, "second": 46}
